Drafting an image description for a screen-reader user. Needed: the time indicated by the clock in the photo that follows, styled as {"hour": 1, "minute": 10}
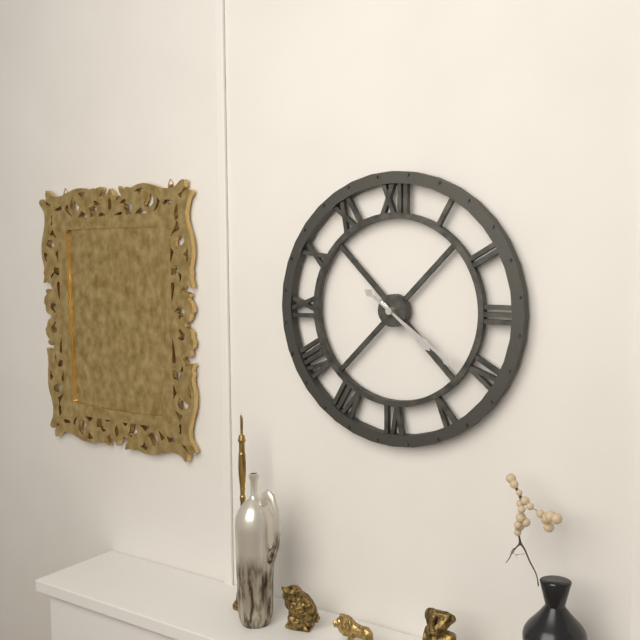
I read {"hour": 4, "minute": 21}
